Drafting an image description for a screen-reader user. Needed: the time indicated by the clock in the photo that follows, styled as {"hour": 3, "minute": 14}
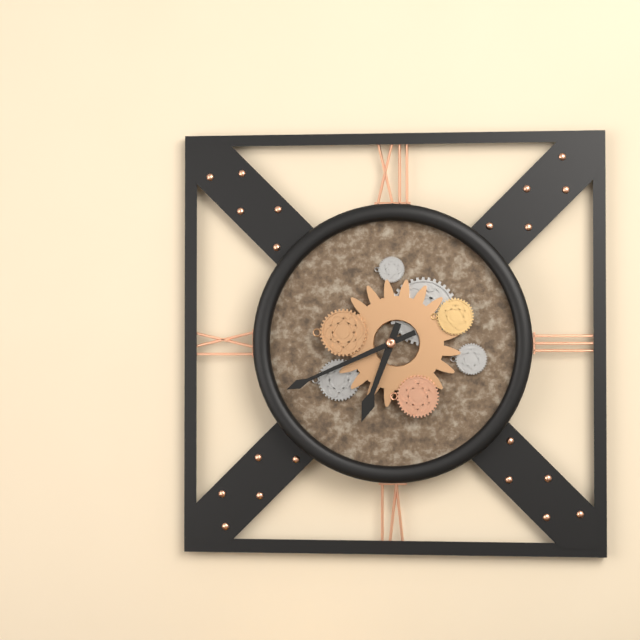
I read {"hour": 6, "minute": 41}
